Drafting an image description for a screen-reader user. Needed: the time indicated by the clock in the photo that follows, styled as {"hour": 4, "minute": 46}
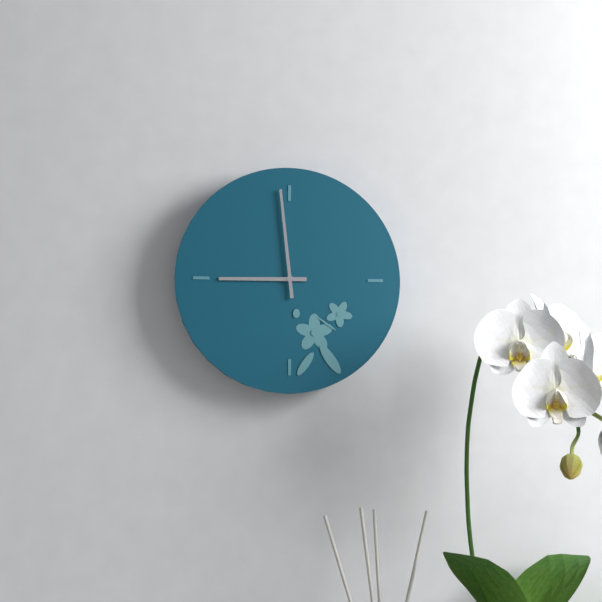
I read {"hour": 8, "minute": 59}
